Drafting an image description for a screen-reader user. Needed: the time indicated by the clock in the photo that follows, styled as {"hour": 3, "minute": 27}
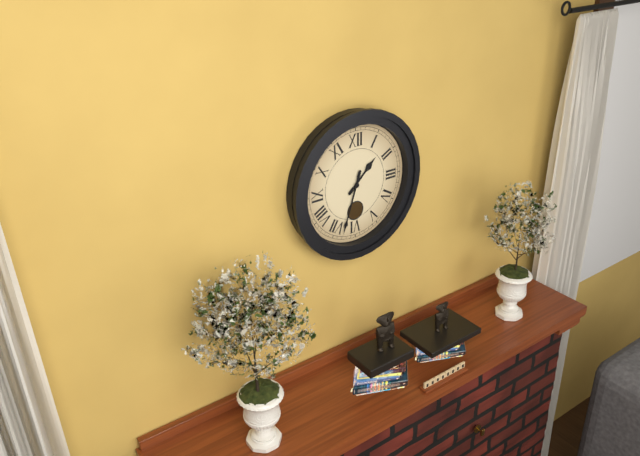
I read {"hour": 1, "minute": 33}
